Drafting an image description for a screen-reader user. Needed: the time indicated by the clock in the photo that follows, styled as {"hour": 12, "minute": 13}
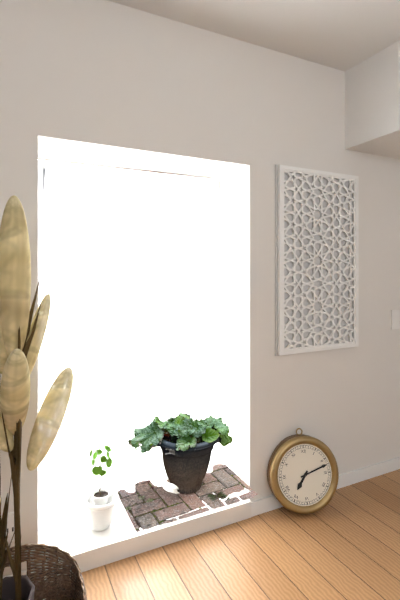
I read {"hour": 7, "minute": 12}
